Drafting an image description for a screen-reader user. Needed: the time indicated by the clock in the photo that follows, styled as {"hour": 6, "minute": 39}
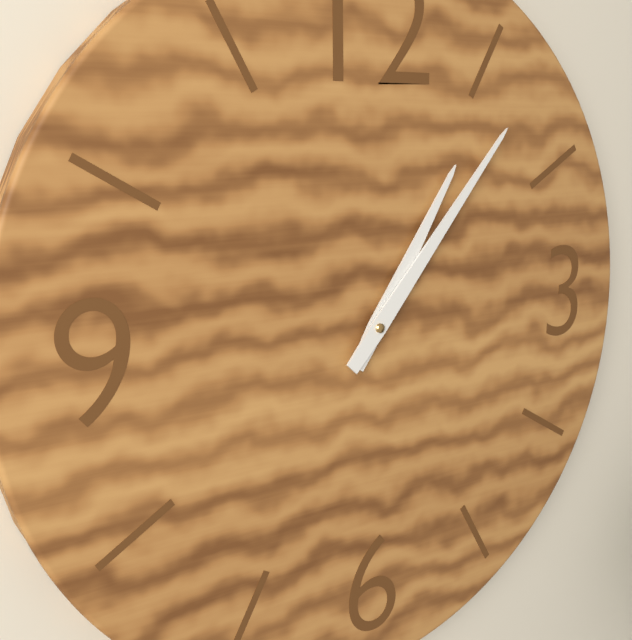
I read {"hour": 1, "minute": 7}
